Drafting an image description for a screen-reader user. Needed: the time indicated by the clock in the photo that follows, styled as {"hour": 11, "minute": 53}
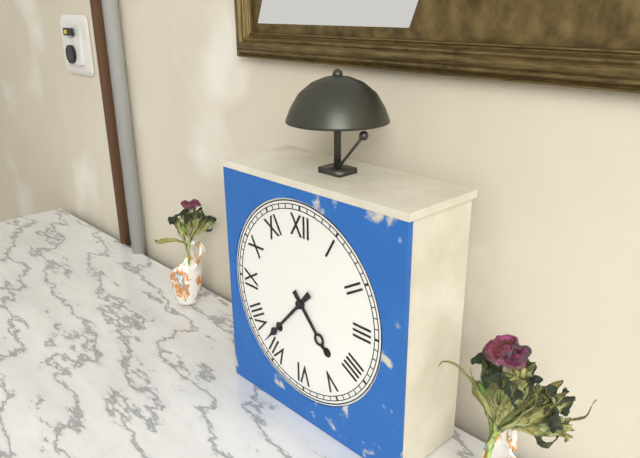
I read {"hour": 4, "minute": 37}
